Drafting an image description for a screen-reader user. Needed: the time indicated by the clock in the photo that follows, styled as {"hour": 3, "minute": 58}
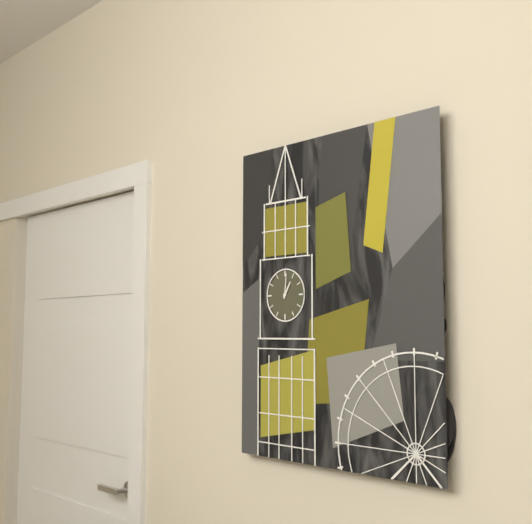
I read {"hour": 1, "minute": 1}
